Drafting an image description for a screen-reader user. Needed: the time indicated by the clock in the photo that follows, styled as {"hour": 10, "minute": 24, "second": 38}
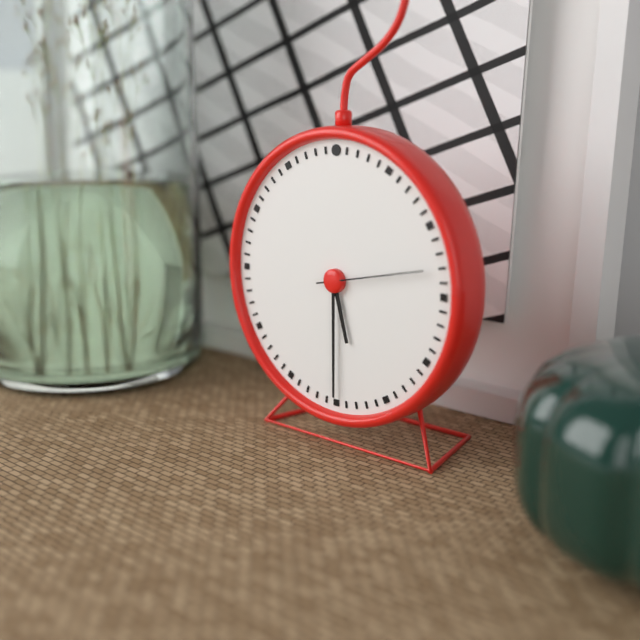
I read {"hour": 5, "minute": 30, "second": 13}
